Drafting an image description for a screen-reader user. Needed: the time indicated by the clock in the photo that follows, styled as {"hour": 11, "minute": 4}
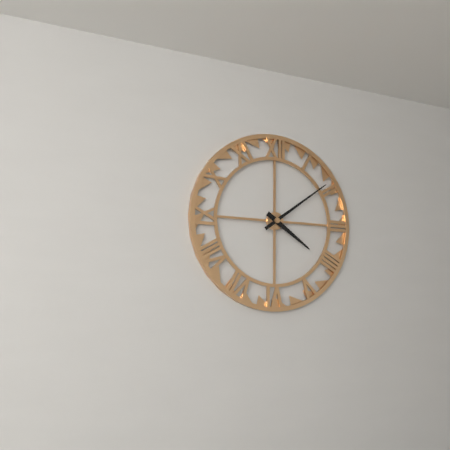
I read {"hour": 4, "minute": 9}
